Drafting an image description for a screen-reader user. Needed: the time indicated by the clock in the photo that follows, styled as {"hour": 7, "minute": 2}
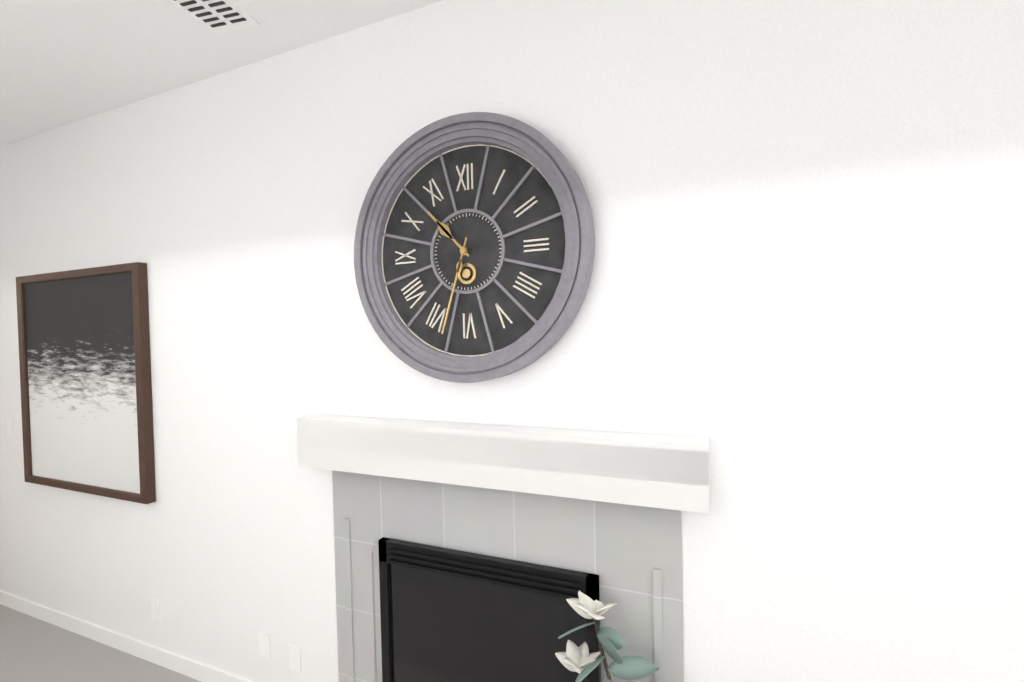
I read {"hour": 10, "minute": 33}
